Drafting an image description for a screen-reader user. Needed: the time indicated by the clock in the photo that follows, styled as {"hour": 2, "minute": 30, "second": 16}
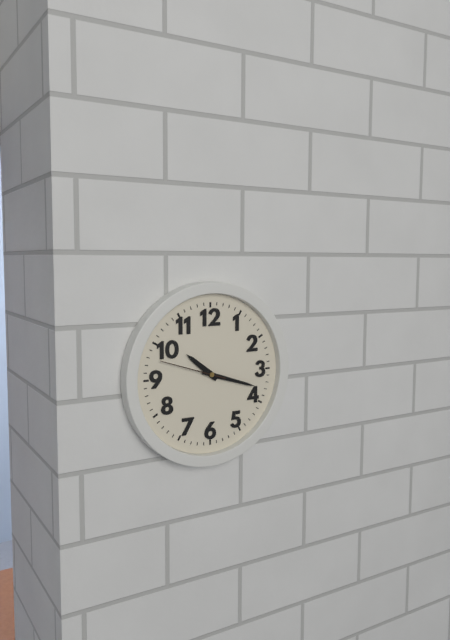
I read {"hour": 10, "minute": 18, "second": 48}
